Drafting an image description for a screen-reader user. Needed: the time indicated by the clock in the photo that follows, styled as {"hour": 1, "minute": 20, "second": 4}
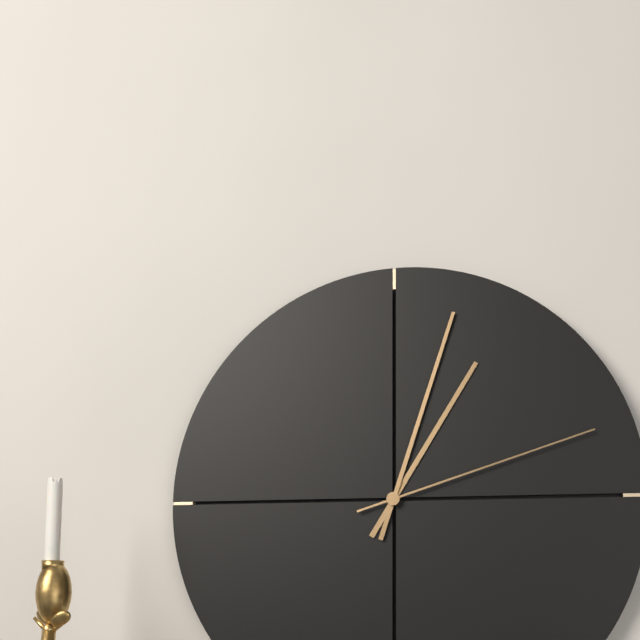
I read {"hour": 1, "minute": 3, "second": 12}
